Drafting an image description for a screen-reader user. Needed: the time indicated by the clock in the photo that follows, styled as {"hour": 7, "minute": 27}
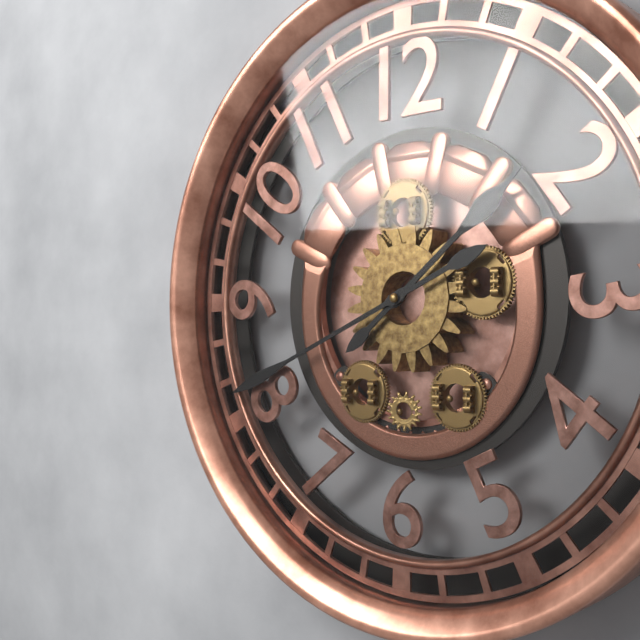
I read {"hour": 1, "minute": 41}
